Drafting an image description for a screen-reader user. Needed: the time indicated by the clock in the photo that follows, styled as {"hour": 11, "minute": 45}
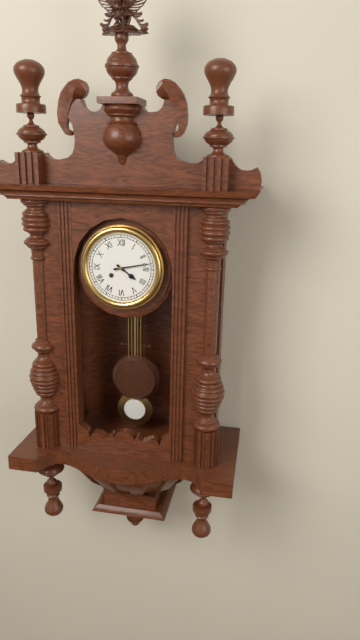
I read {"hour": 4, "minute": 13}
